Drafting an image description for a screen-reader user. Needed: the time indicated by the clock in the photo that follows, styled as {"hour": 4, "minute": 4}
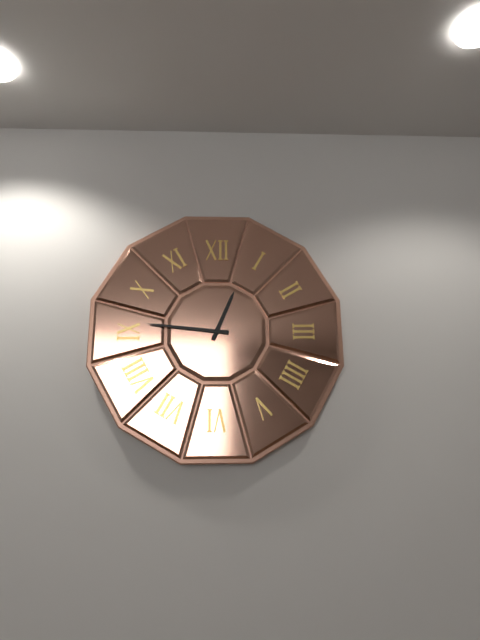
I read {"hour": 12, "minute": 46}
